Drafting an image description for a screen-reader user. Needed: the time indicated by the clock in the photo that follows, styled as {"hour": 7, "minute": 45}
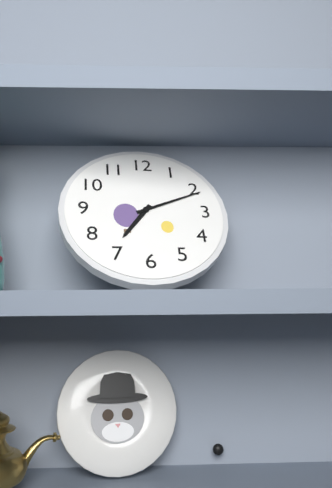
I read {"hour": 7, "minute": 11}
